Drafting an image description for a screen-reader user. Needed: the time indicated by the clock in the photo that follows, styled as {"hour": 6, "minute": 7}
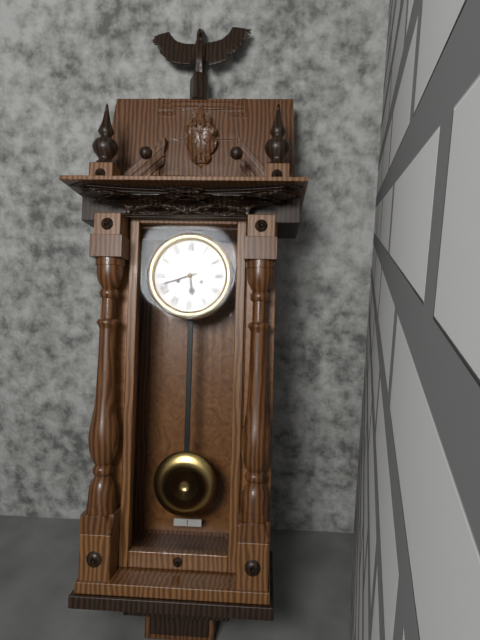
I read {"hour": 5, "minute": 42}
